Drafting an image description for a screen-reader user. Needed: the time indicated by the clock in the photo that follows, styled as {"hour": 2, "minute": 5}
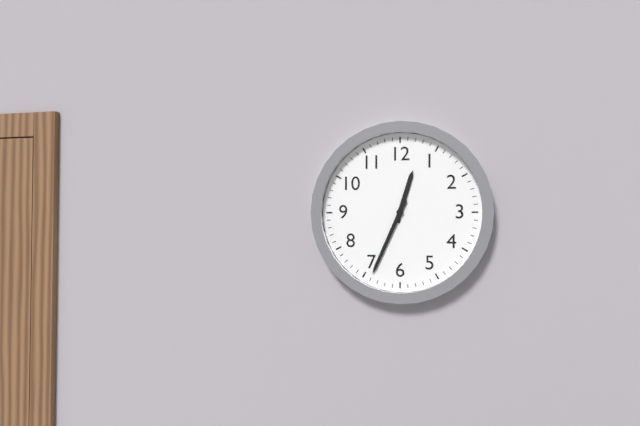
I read {"hour": 12, "minute": 34}
